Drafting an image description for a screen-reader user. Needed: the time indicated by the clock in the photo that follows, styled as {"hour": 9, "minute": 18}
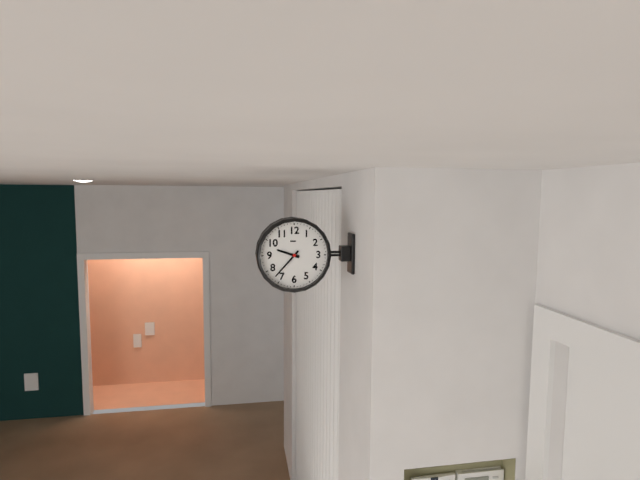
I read {"hour": 9, "minute": 37}
